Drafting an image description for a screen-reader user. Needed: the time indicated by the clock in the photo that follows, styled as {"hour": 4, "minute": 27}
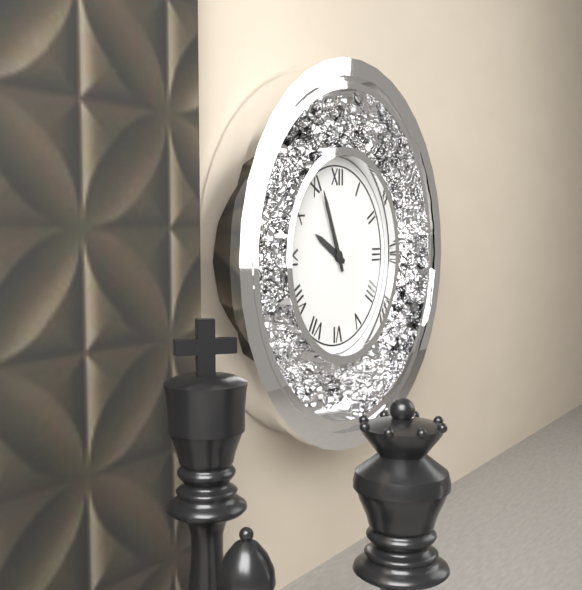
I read {"hour": 9, "minute": 56}
